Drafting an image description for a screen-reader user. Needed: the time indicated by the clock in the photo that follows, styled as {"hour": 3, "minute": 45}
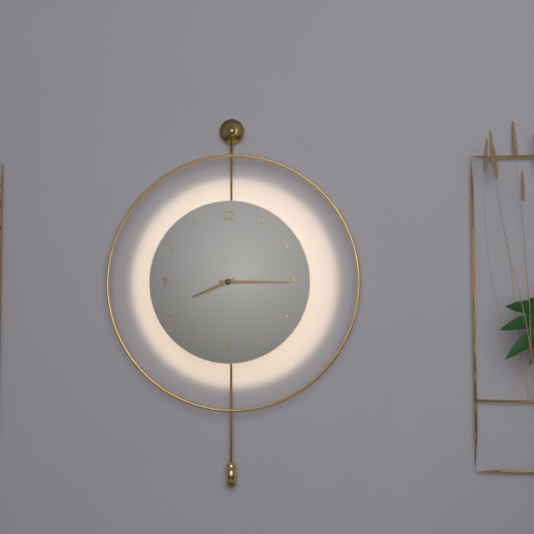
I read {"hour": 8, "minute": 15}
